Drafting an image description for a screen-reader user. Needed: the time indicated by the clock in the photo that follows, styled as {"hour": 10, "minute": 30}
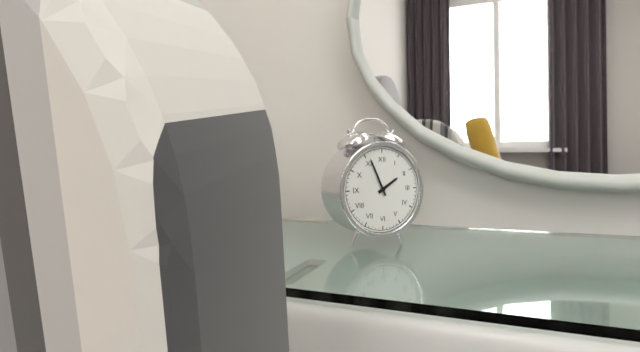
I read {"hour": 1, "minute": 56}
